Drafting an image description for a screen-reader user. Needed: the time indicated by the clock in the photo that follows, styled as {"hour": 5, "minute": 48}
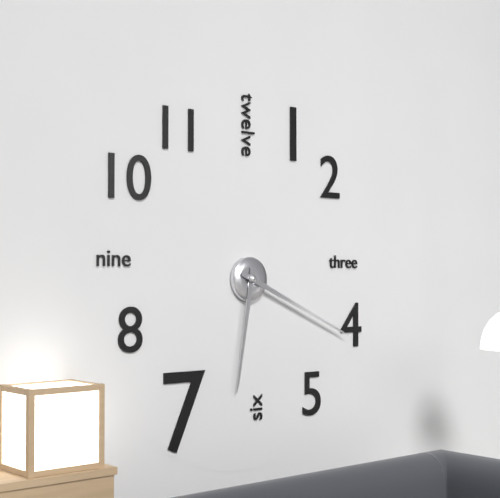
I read {"hour": 6, "minute": 19}
